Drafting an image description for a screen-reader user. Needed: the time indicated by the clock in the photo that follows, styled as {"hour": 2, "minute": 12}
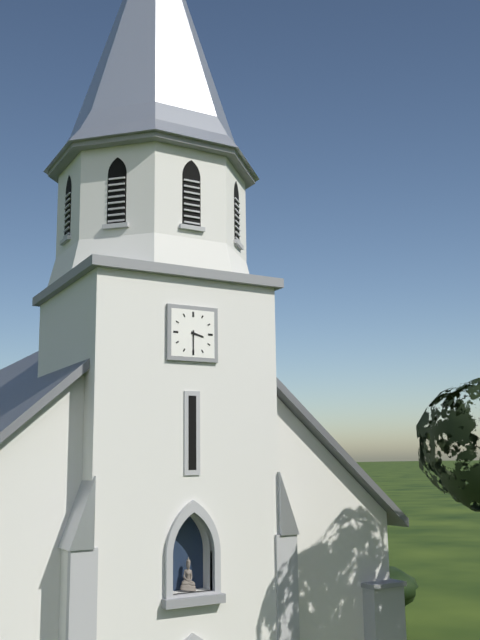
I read {"hour": 3, "minute": 30}
